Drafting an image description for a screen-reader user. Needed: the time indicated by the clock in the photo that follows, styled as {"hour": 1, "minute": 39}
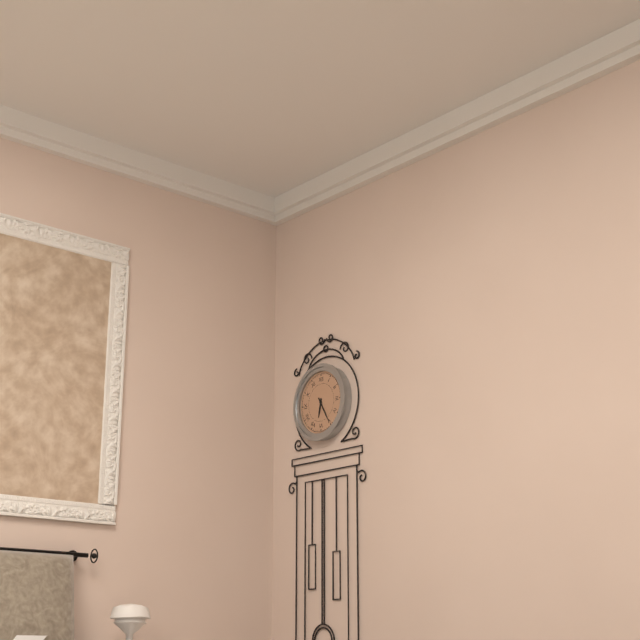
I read {"hour": 6, "minute": 25}
